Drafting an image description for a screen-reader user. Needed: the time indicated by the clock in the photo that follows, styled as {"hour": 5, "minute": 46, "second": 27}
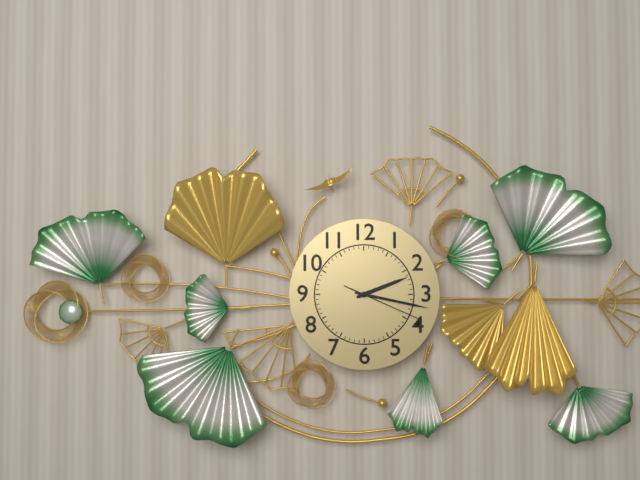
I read {"hour": 2, "minute": 17, "second": 19}
